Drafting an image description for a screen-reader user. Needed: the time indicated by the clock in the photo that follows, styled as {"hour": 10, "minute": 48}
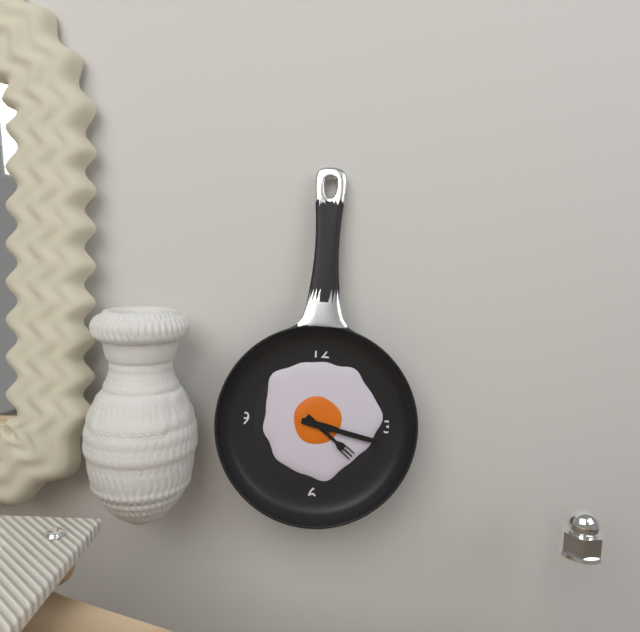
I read {"hour": 4, "minute": 17}
